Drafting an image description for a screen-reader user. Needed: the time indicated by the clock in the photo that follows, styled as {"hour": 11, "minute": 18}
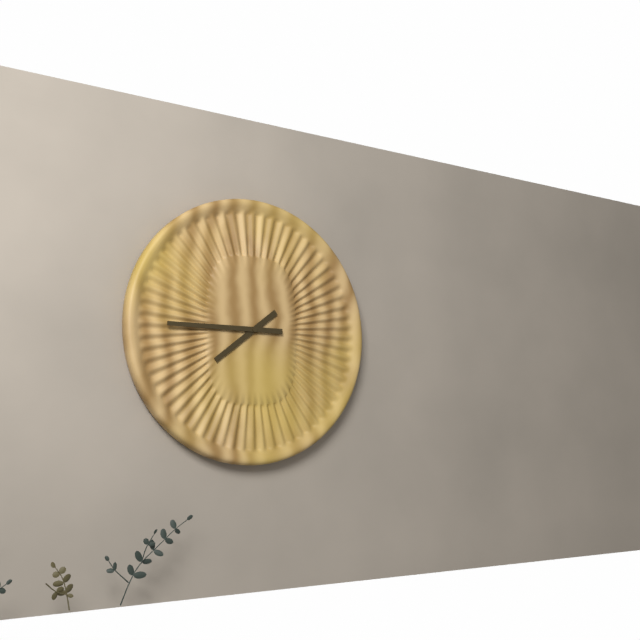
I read {"hour": 7, "minute": 45}
